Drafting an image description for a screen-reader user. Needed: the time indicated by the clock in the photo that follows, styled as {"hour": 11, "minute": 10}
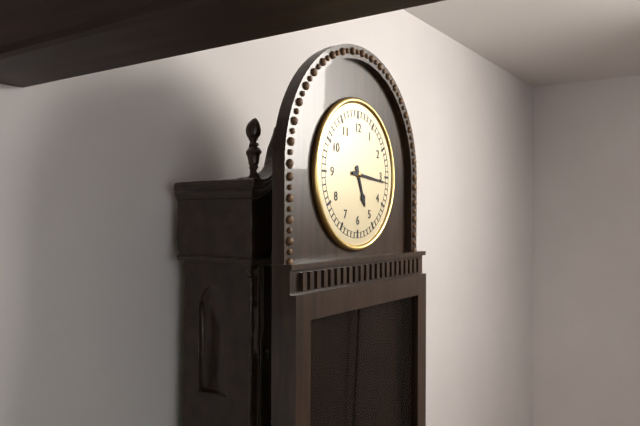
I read {"hour": 5, "minute": 16}
